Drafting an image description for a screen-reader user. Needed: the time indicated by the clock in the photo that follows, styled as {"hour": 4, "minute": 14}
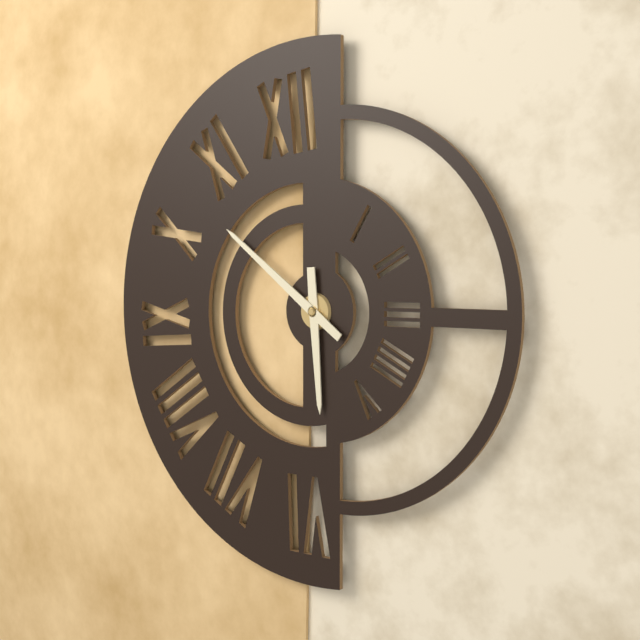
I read {"hour": 5, "minute": 51}
